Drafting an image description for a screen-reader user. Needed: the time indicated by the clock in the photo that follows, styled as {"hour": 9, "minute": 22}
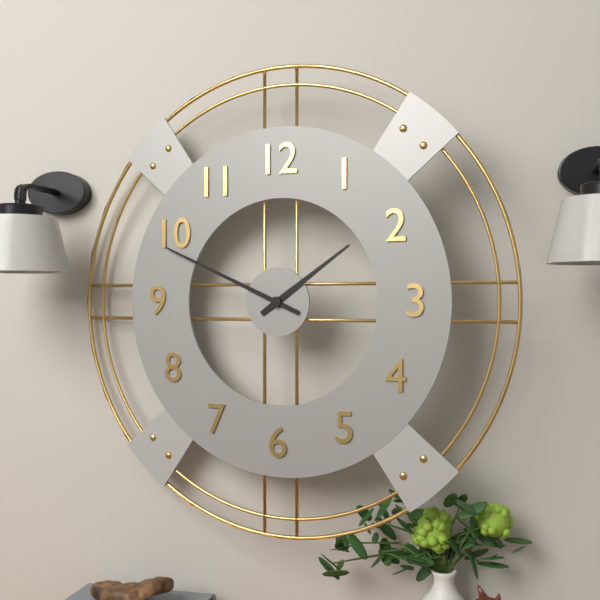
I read {"hour": 1, "minute": 49}
